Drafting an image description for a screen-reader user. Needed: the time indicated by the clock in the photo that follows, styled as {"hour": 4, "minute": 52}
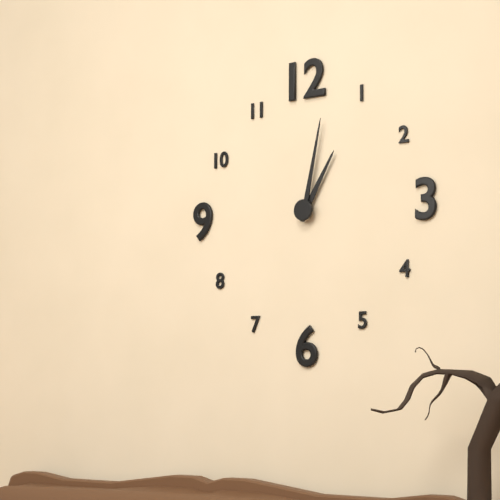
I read {"hour": 1, "minute": 2}
